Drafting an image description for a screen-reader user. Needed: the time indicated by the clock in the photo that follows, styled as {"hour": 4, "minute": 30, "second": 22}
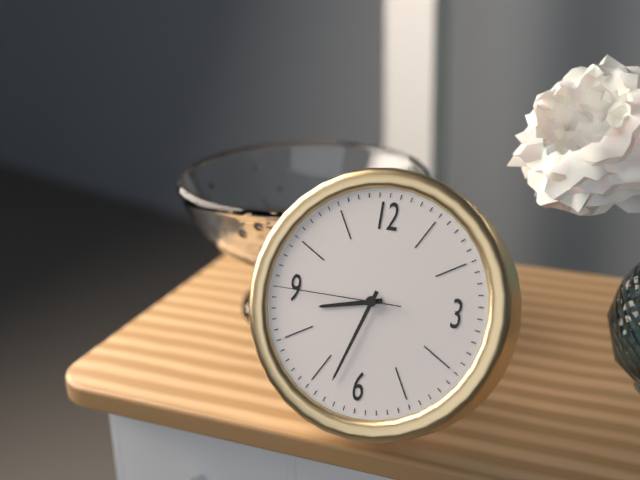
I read {"hour": 8, "minute": 33, "second": 45}
